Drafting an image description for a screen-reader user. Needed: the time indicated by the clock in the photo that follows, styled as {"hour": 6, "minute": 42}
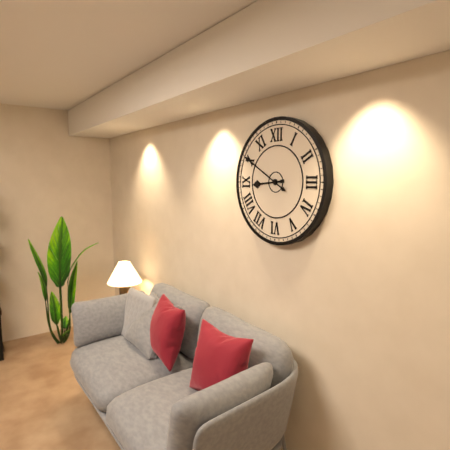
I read {"hour": 8, "minute": 50}
